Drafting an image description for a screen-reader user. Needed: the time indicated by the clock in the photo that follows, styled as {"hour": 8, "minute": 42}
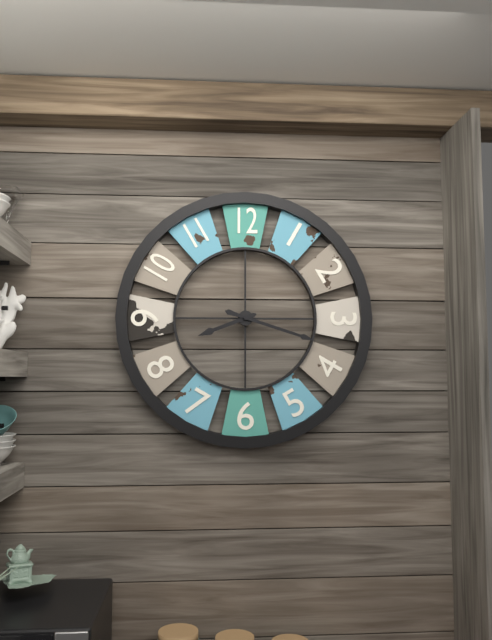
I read {"hour": 8, "minute": 18}
